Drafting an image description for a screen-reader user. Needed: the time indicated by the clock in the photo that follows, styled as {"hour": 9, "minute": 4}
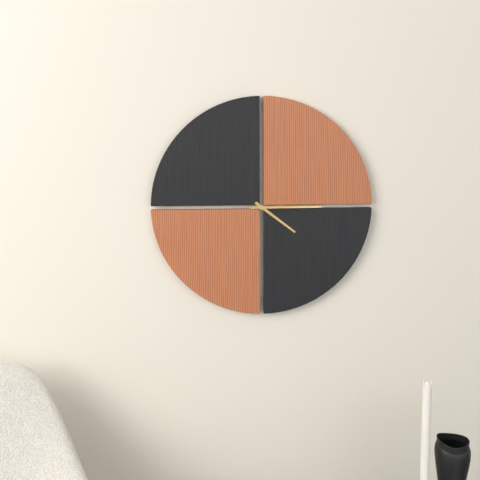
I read {"hour": 4, "minute": 15}
